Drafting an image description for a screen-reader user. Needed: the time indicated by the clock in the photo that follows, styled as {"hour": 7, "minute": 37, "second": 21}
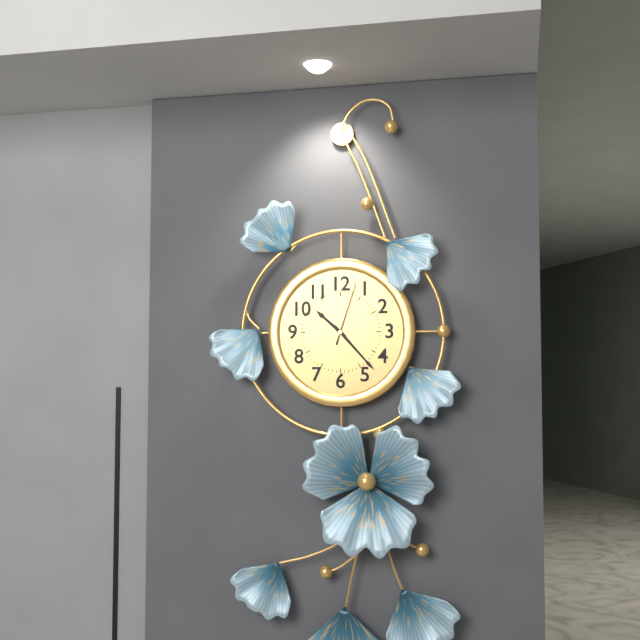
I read {"hour": 10, "minute": 23, "second": 3}
